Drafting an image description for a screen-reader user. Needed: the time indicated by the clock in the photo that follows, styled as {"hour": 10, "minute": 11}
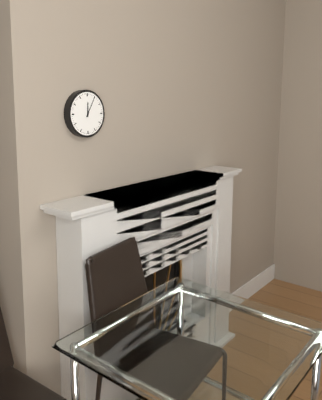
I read {"hour": 12, "minute": 5}
